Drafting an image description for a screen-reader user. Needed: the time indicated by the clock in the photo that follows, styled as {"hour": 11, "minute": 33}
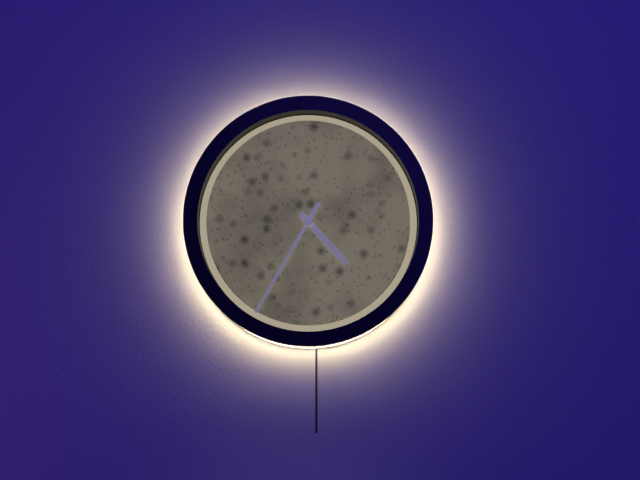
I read {"hour": 4, "minute": 35}
